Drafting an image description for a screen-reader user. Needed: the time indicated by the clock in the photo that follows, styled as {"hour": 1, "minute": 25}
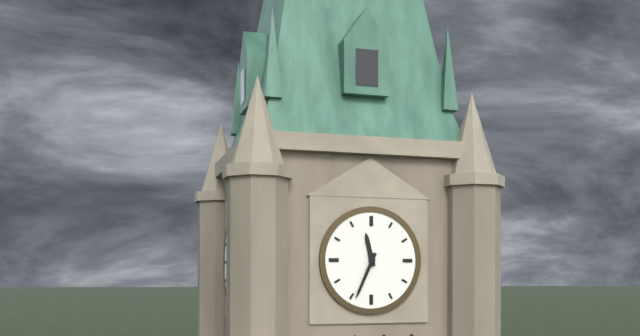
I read {"hour": 11, "minute": 34}
